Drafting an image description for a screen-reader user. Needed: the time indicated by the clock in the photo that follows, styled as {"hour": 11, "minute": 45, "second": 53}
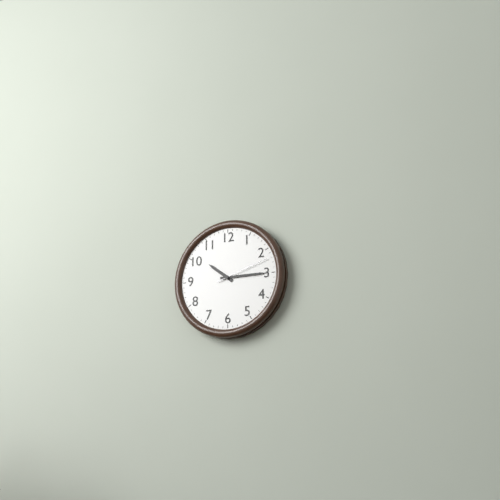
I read {"hour": 10, "minute": 15, "second": 12}
